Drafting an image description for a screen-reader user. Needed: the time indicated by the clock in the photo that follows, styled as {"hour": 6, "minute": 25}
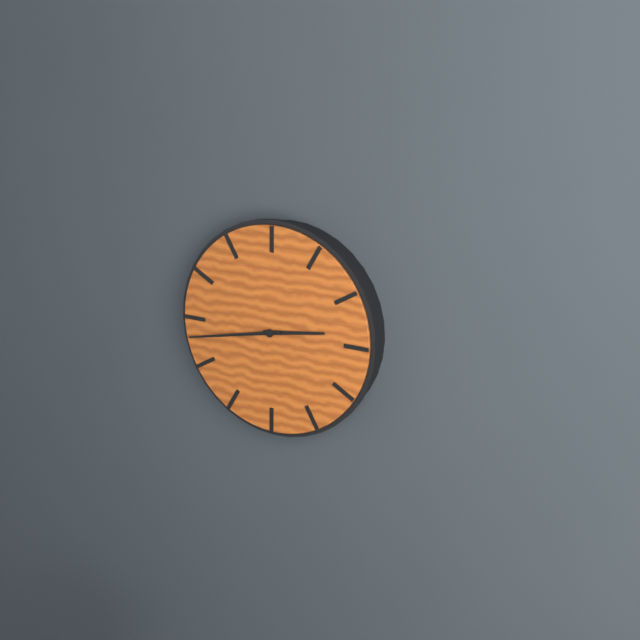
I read {"hour": 2, "minute": 43}
